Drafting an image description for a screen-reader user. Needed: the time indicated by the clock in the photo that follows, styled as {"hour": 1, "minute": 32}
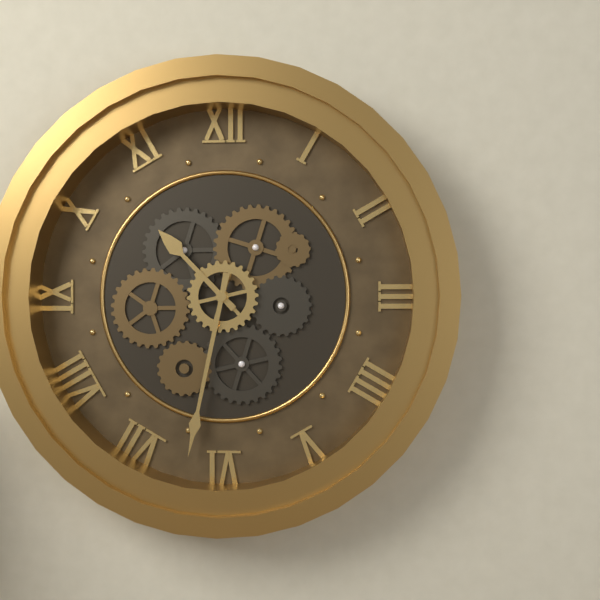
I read {"hour": 10, "minute": 32}
